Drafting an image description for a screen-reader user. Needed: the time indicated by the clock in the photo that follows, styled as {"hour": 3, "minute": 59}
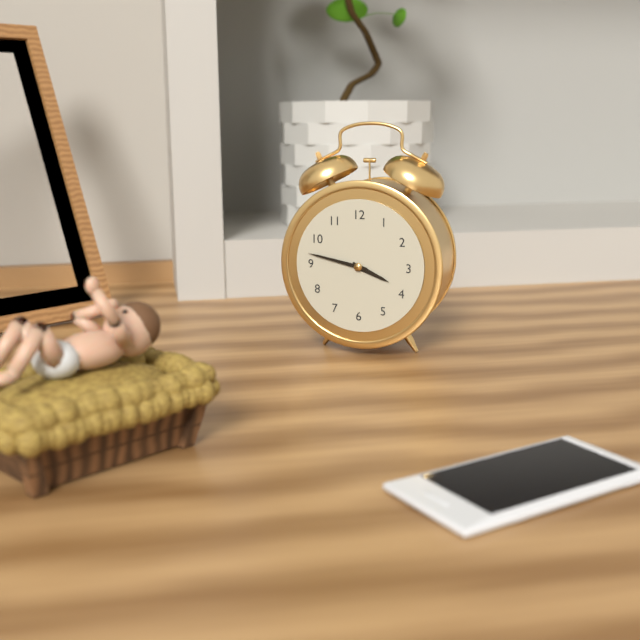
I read {"hour": 3, "minute": 47}
